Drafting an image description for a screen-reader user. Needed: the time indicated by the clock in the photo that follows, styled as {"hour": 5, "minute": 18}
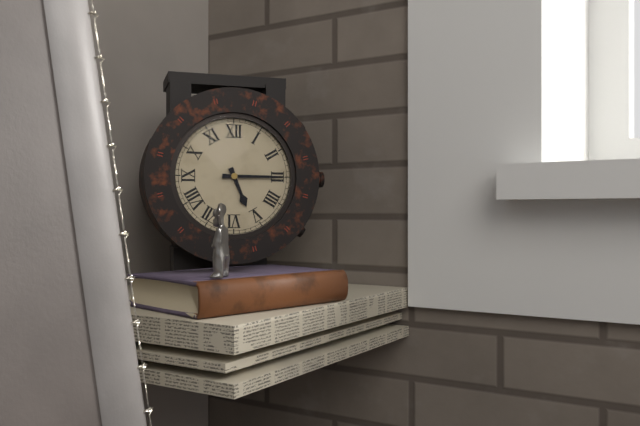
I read {"hour": 5, "minute": 15}
